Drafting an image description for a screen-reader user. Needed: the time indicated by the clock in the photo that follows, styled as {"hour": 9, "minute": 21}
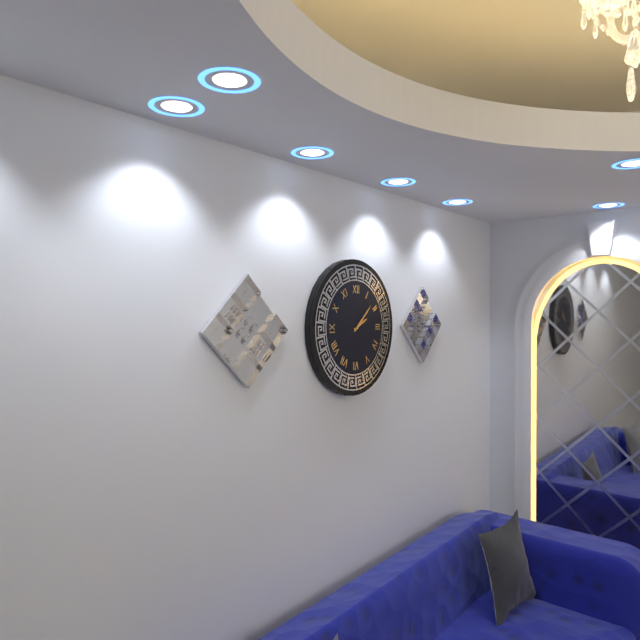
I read {"hour": 2, "minute": 8}
